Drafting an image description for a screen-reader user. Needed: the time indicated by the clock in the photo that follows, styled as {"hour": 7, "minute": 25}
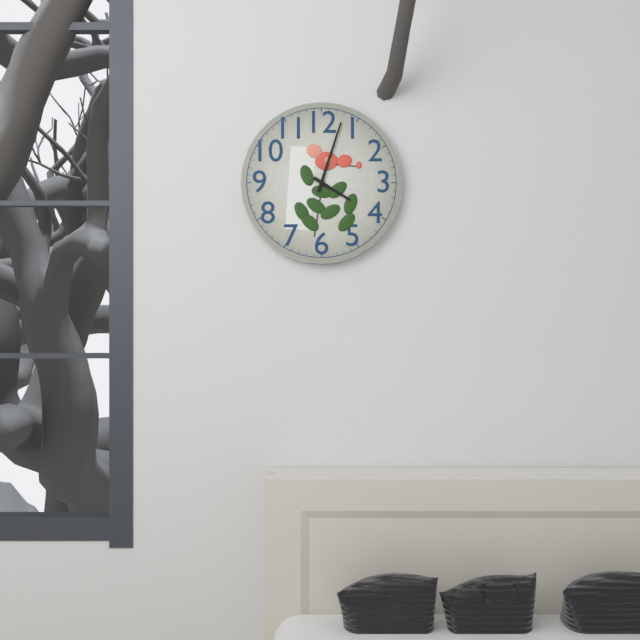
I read {"hour": 4, "minute": 3}
